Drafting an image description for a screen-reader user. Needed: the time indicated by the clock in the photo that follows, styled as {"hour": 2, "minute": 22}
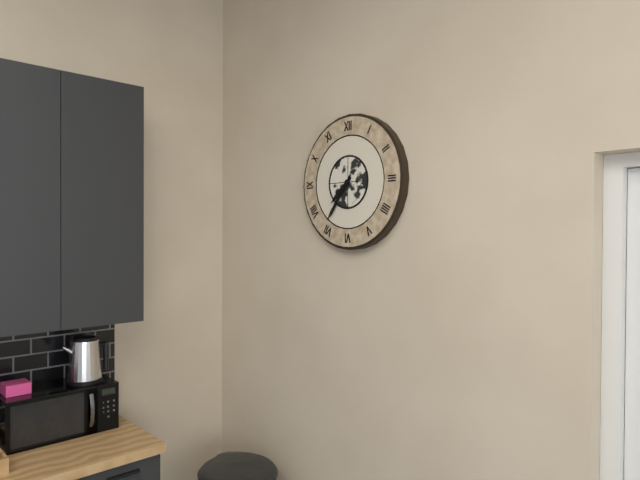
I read {"hour": 7, "minute": 36}
